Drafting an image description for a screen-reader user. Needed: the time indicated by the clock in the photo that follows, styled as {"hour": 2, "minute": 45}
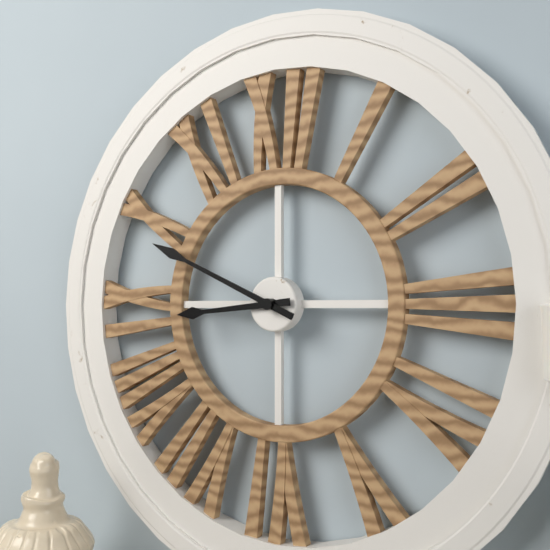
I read {"hour": 8, "minute": 49}
